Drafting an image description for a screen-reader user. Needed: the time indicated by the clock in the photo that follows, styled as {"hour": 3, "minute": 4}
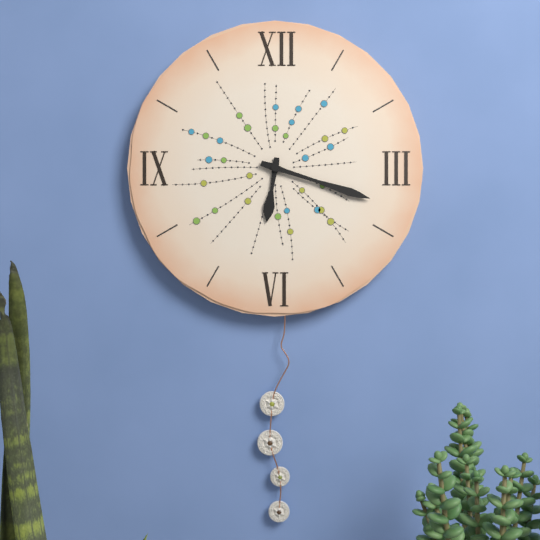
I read {"hour": 6, "minute": 18}
